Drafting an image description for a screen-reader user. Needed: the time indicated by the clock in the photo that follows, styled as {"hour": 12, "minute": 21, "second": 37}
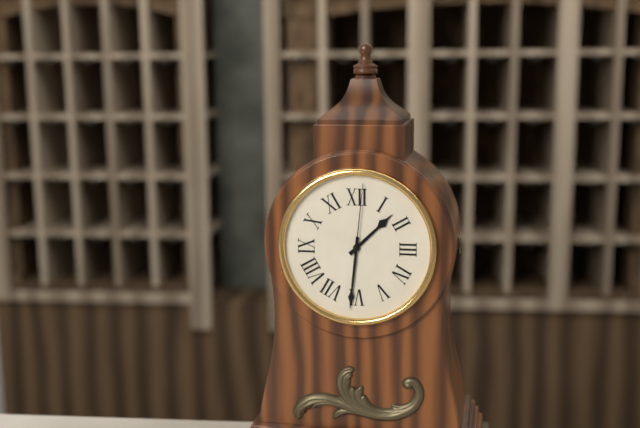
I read {"hour": 1, "minute": 31, "second": 1}
